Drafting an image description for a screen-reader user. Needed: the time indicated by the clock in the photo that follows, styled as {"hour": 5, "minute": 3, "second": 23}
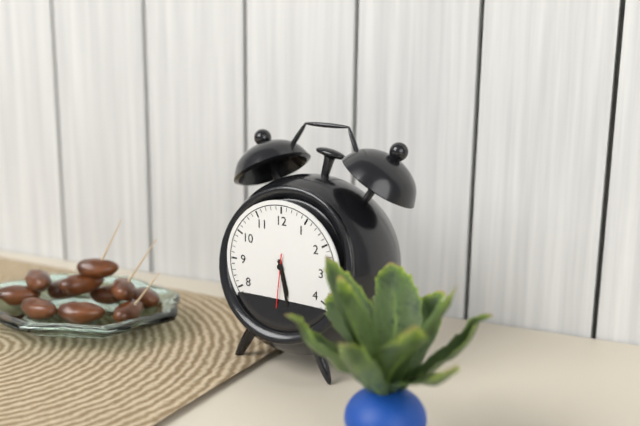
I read {"hour": 5, "minute": 28, "second": 31}
